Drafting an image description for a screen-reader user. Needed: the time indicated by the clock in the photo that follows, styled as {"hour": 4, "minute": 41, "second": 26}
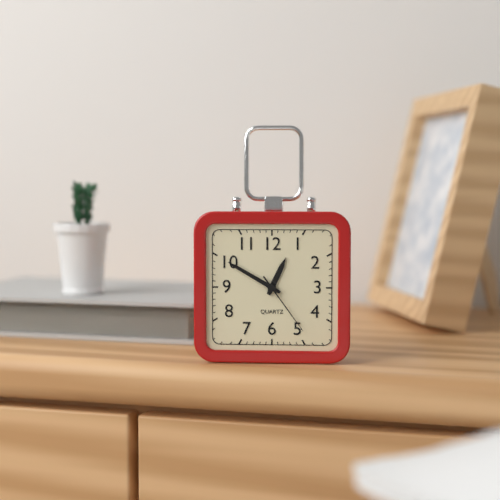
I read {"hour": 12, "minute": 50, "second": 24}
